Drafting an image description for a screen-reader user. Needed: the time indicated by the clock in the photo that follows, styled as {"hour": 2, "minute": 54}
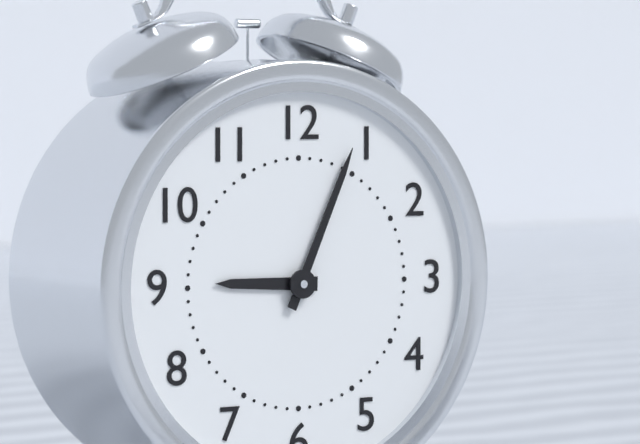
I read {"hour": 9, "minute": 4}
